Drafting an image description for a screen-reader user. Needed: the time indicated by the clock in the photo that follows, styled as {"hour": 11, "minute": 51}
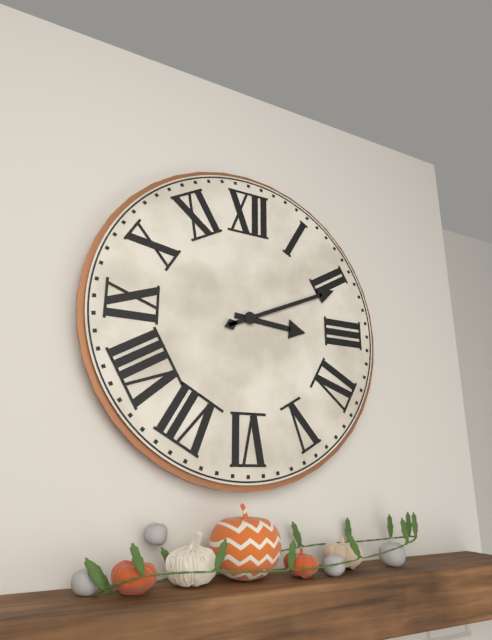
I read {"hour": 3, "minute": 11}
